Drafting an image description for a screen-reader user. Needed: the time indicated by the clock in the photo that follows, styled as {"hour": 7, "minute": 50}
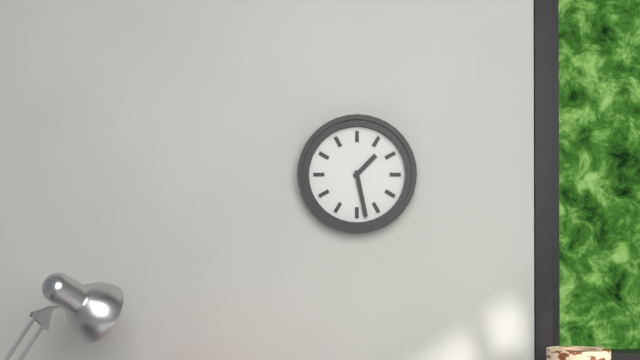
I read {"hour": 1, "minute": 28}
